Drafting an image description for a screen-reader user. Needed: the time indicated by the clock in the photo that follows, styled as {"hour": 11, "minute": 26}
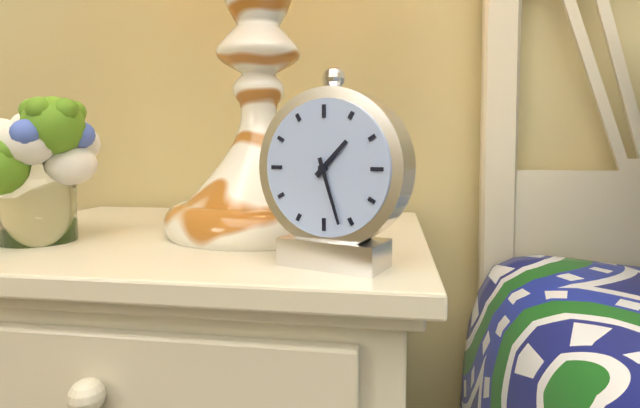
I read {"hour": 1, "minute": 27}
